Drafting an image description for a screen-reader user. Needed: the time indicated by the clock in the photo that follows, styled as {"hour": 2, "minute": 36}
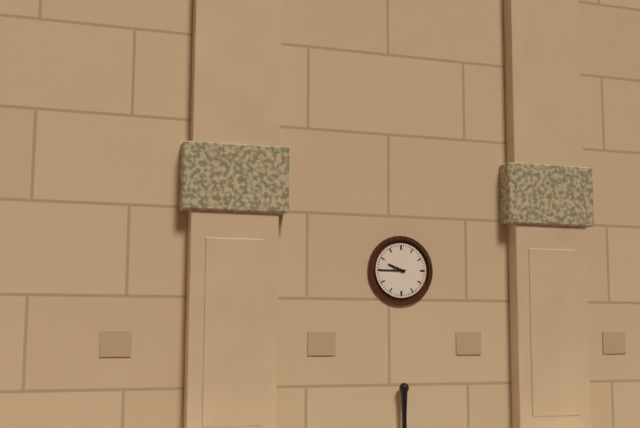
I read {"hour": 9, "minute": 45}
